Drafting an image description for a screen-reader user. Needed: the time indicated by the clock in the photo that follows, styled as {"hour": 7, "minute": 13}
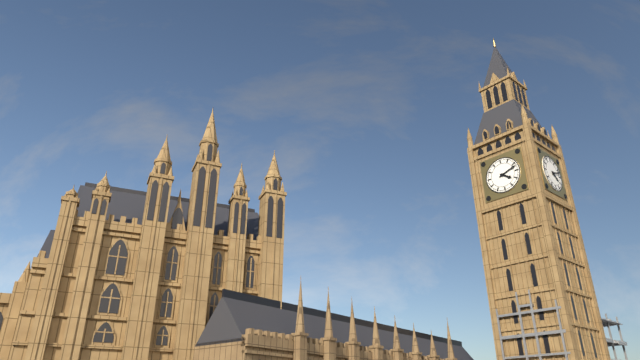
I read {"hour": 4, "minute": 12}
